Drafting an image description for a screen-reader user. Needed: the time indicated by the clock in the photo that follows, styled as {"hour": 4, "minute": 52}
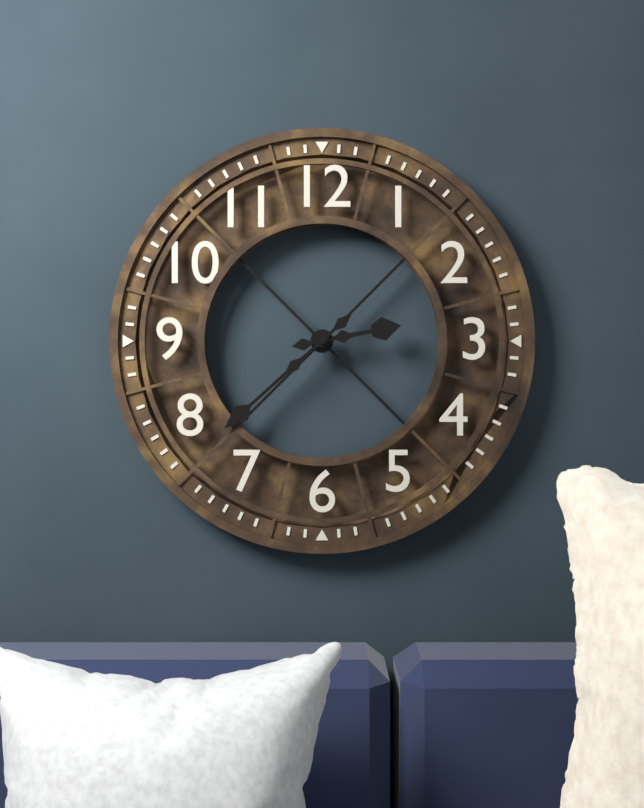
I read {"hour": 2, "minute": 38}
